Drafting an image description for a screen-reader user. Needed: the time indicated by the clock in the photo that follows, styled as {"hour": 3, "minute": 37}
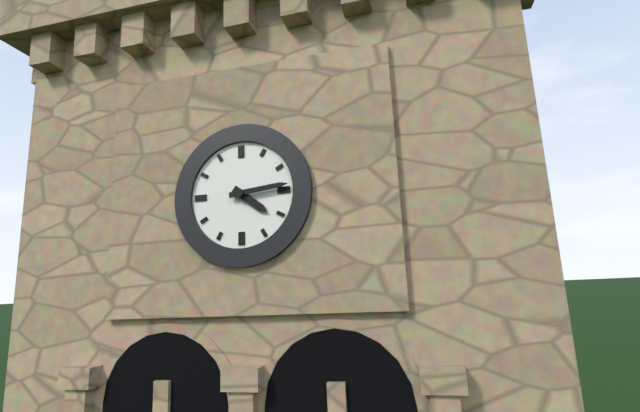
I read {"hour": 4, "minute": 14}
